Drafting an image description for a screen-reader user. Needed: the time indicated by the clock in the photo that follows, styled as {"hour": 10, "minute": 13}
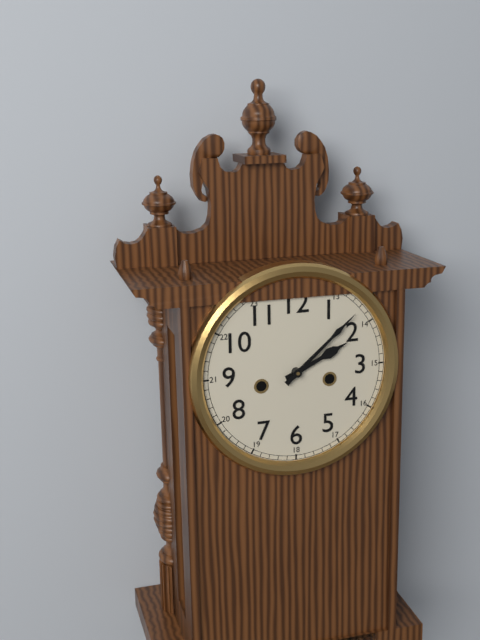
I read {"hour": 2, "minute": 8}
